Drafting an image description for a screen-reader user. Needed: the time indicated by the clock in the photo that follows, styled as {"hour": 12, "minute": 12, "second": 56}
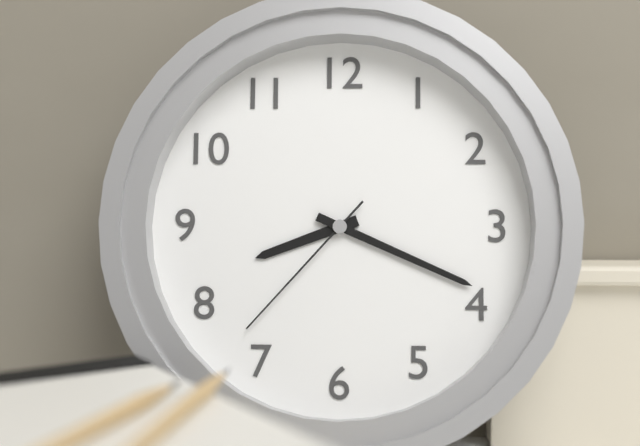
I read {"hour": 8, "minute": 19, "second": 37}
